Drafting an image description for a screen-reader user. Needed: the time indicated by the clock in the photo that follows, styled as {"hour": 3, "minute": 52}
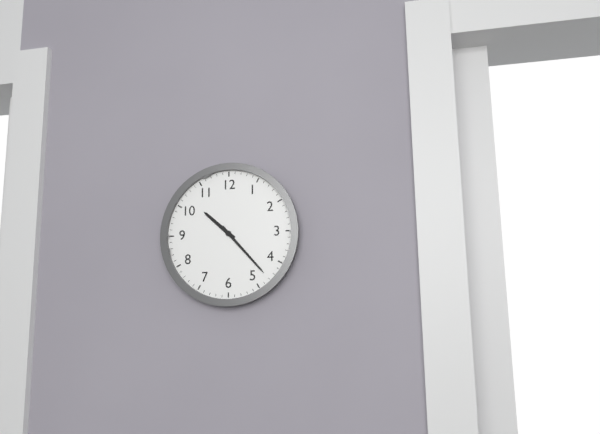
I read {"hour": 10, "minute": 23}
